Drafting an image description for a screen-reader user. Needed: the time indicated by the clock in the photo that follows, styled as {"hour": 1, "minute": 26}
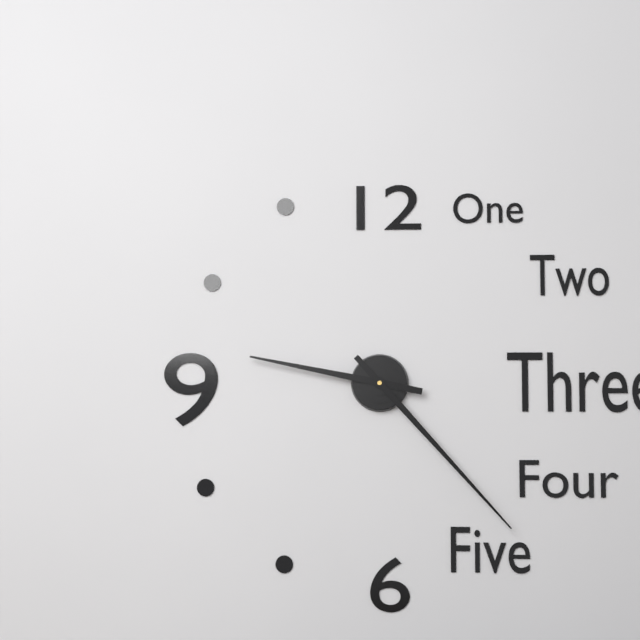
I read {"hour": 9, "minute": 23}
